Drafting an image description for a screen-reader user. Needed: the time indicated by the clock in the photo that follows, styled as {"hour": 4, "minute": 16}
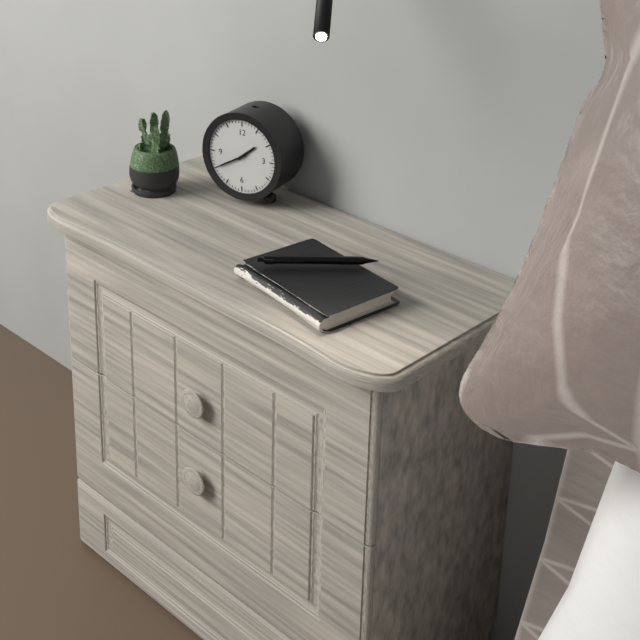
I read {"hour": 1, "minute": 40}
